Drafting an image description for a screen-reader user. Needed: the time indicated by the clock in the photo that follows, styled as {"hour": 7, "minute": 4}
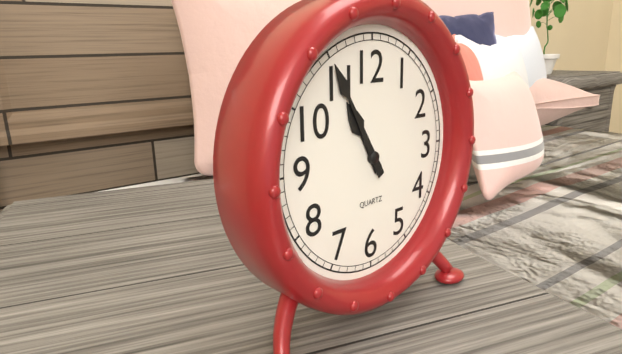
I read {"hour": 10, "minute": 55}
